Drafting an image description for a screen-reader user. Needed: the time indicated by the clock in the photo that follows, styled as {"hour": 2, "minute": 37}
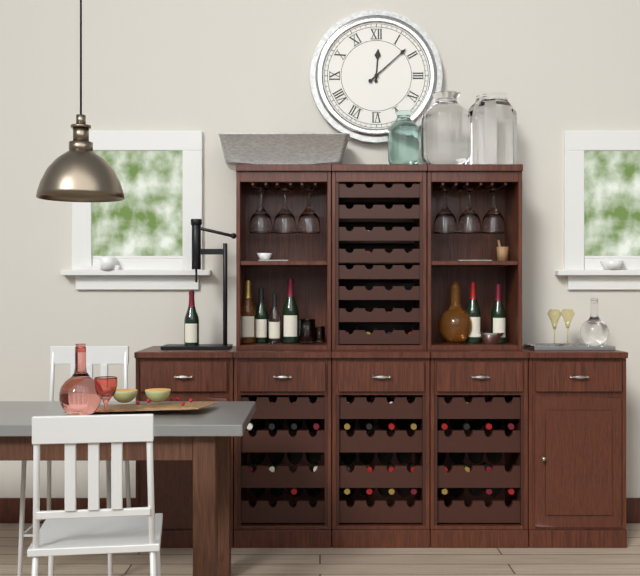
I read {"hour": 12, "minute": 8}
